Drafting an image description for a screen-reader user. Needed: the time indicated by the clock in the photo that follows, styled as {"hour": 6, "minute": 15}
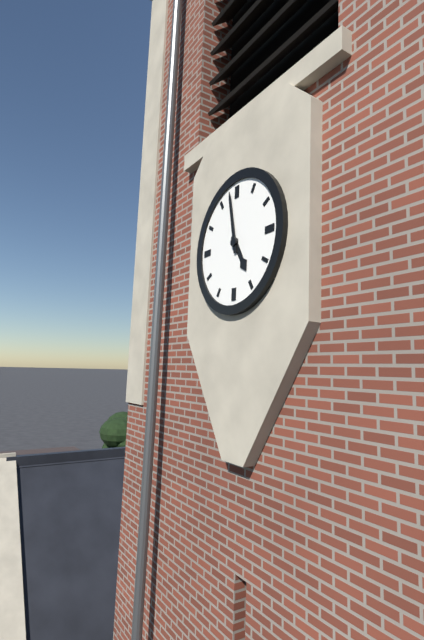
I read {"hour": 4, "minute": 58}
